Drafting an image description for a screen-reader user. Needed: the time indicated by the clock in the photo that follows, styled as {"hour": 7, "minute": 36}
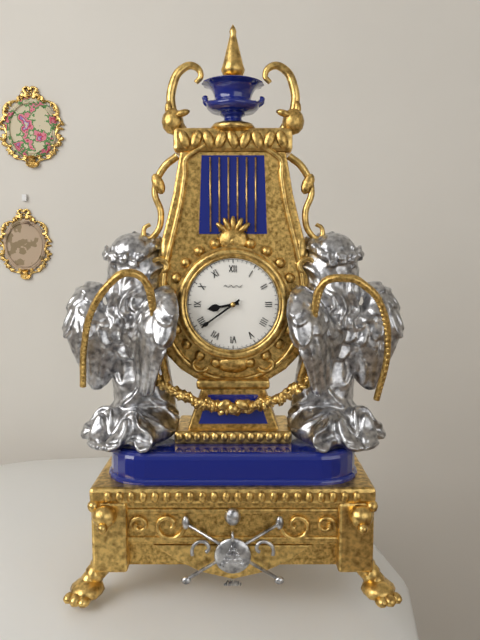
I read {"hour": 8, "minute": 39}
